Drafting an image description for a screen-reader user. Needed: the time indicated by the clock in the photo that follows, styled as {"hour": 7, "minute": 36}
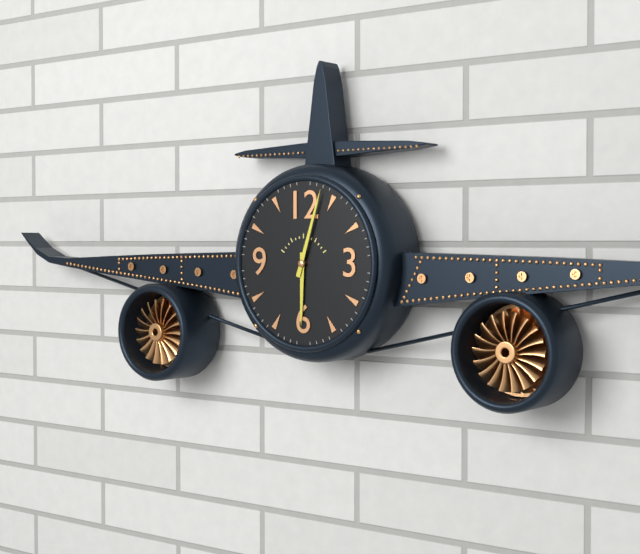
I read {"hour": 6, "minute": 3}
